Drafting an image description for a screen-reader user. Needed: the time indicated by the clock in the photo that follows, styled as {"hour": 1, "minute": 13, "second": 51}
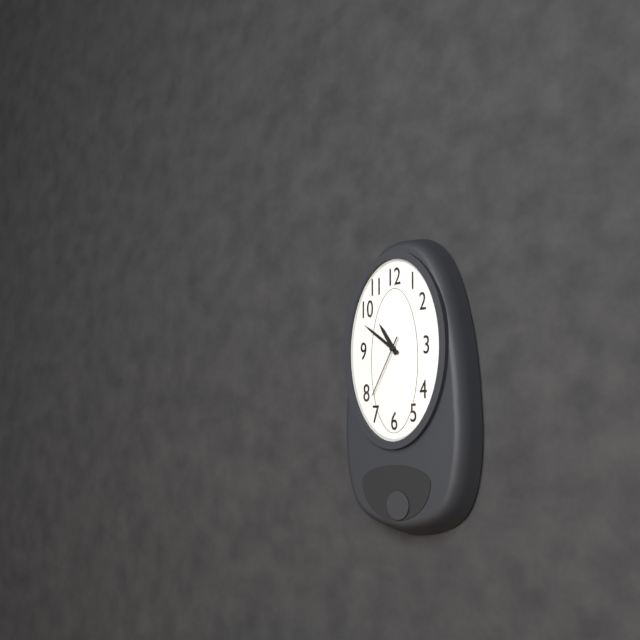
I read {"hour": 10, "minute": 51, "second": 35}
